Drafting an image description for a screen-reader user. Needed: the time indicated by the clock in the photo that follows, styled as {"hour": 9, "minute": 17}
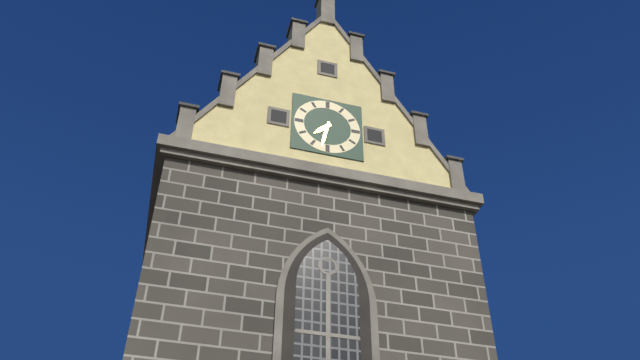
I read {"hour": 7, "minute": 32}
